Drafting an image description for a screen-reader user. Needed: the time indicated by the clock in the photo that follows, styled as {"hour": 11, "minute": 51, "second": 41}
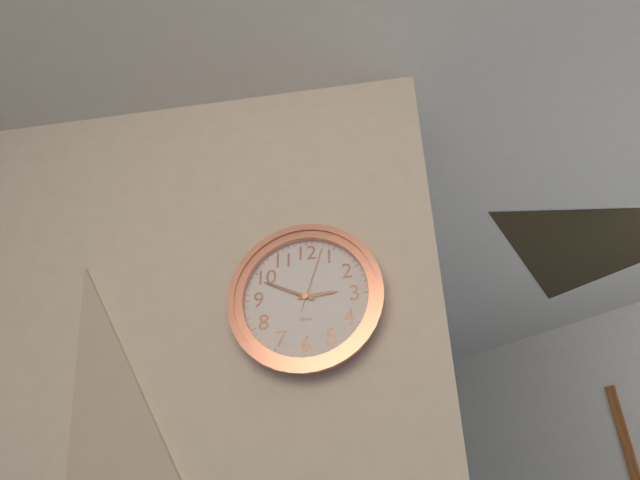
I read {"hour": 2, "minute": 49, "second": 3}
